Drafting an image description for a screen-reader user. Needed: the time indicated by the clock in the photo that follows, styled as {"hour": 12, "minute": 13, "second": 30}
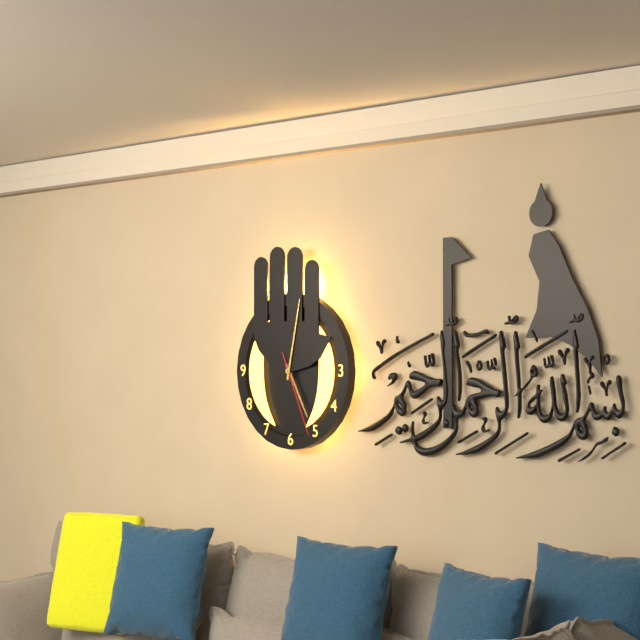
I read {"hour": 5, "minute": 2, "second": 26}
